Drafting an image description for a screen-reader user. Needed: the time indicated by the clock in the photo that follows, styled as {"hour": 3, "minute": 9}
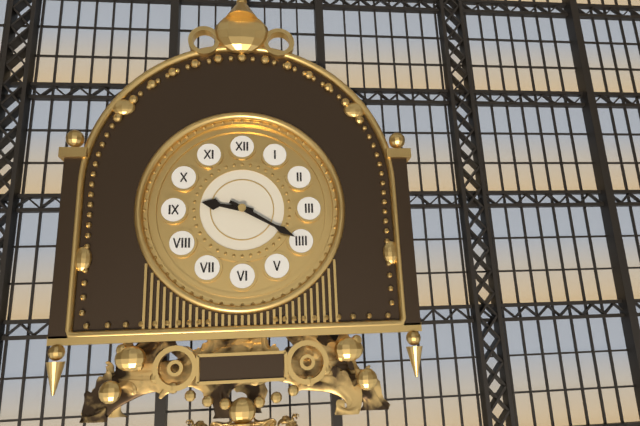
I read {"hour": 9, "minute": 20}
